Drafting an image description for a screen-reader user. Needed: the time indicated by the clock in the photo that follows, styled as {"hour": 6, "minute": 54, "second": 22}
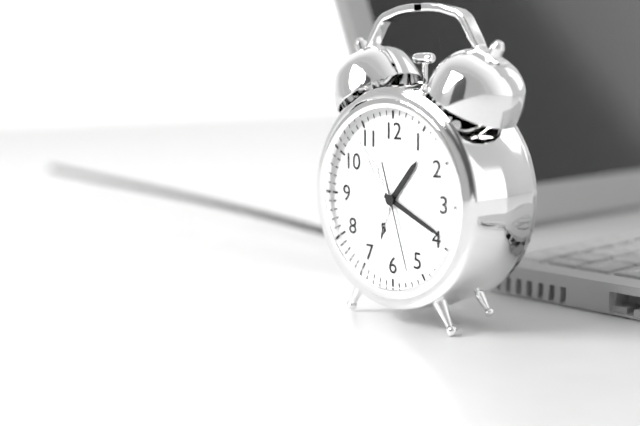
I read {"hour": 1, "minute": 19, "second": 27}
